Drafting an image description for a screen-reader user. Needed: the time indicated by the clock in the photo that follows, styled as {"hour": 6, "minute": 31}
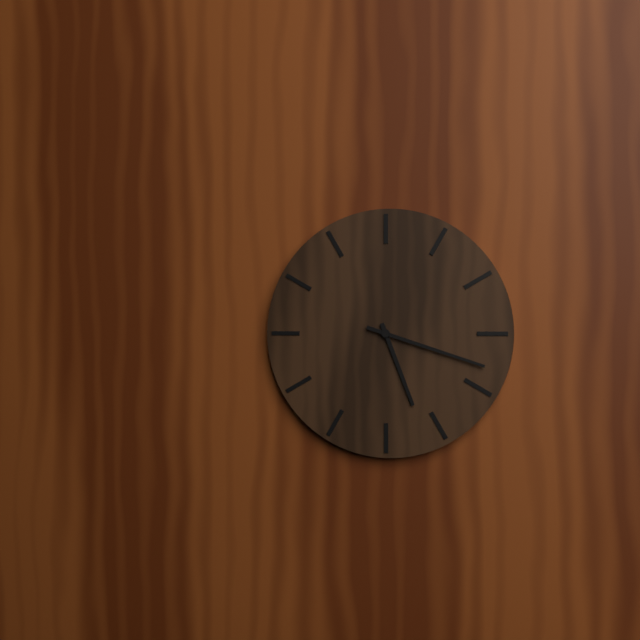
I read {"hour": 5, "minute": 18}
